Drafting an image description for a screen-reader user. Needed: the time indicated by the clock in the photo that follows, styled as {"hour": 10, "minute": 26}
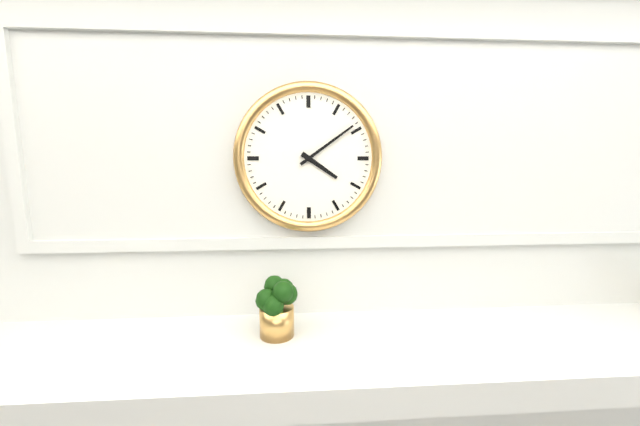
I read {"hour": 4, "minute": 9}
